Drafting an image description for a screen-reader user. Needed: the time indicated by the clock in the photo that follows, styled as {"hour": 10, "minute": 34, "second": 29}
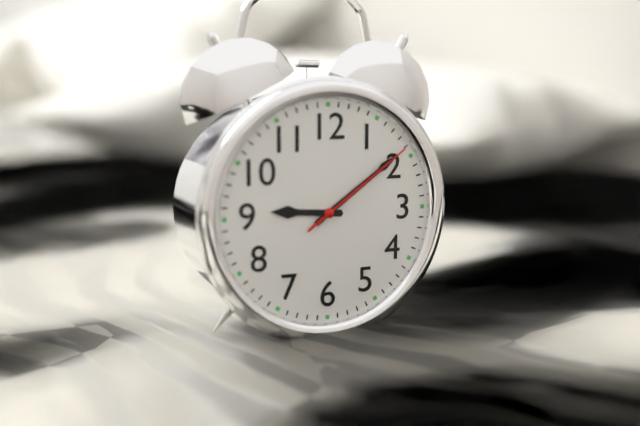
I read {"hour": 9, "minute": 9, "second": 9}
